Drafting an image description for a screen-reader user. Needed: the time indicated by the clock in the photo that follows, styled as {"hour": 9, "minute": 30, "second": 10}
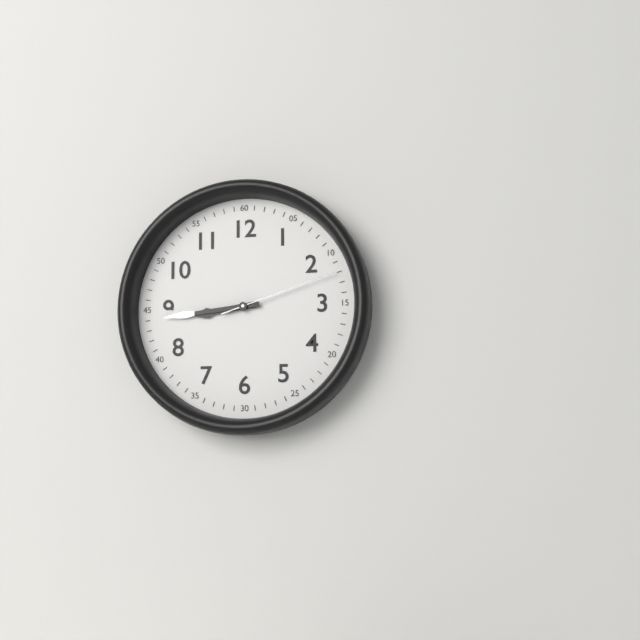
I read {"hour": 8, "minute": 44, "second": 12}
